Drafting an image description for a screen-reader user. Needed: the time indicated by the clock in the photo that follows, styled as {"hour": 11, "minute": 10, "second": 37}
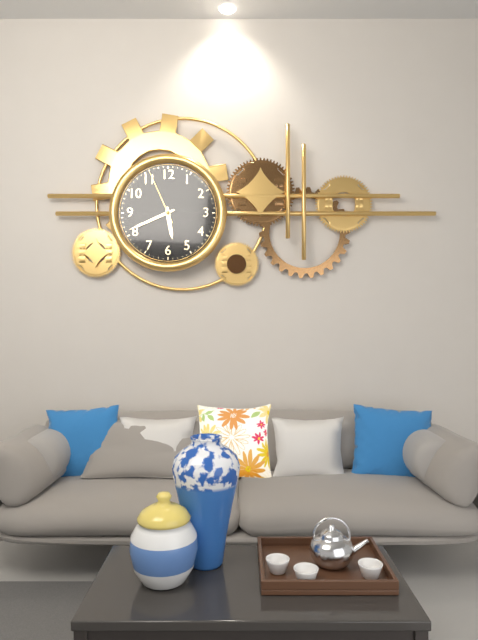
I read {"hour": 5, "minute": 41, "second": 56}
